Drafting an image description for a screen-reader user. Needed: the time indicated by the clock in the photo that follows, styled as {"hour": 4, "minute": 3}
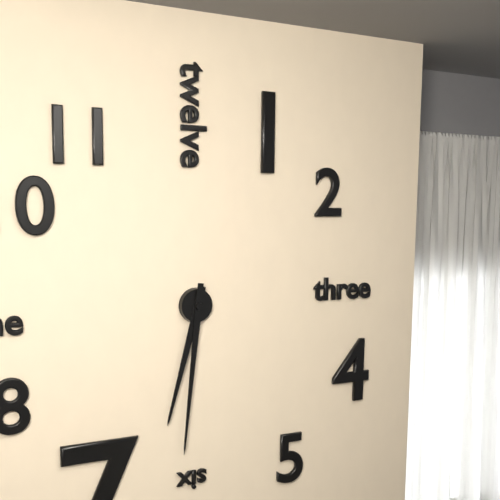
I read {"hour": 6, "minute": 31}
